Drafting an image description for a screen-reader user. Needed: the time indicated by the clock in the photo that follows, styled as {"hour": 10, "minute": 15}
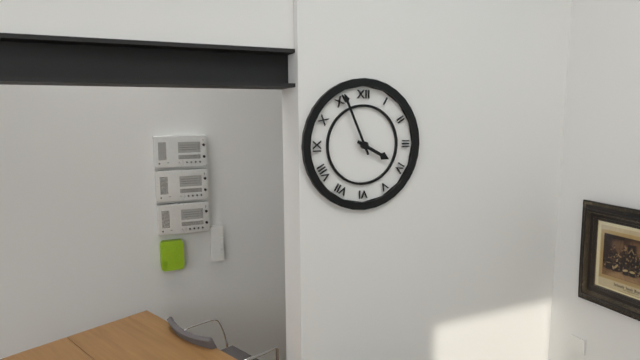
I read {"hour": 3, "minute": 56}
